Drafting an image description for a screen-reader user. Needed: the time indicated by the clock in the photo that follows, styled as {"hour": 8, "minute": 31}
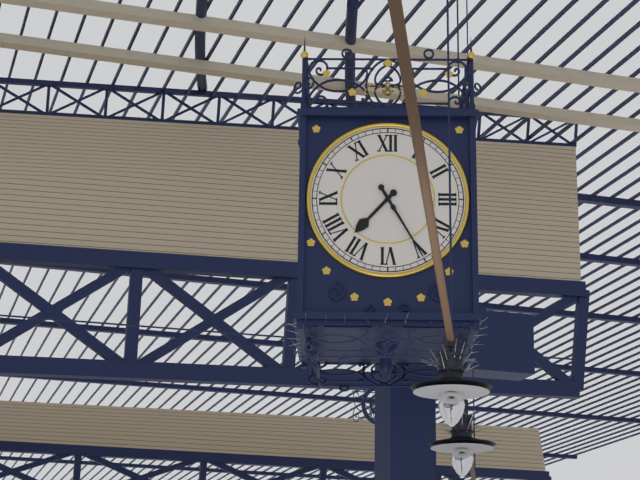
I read {"hour": 7, "minute": 25}
